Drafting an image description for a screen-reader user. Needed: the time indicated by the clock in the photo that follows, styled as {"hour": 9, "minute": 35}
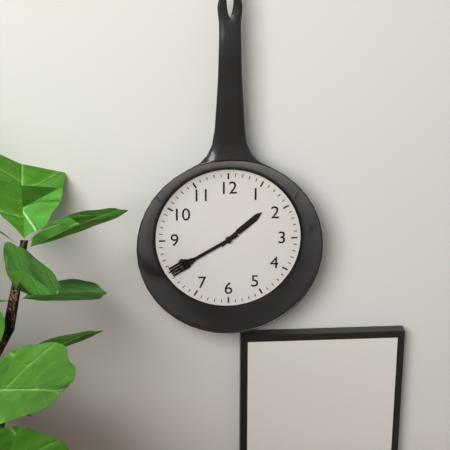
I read {"hour": 1, "minute": 40}
